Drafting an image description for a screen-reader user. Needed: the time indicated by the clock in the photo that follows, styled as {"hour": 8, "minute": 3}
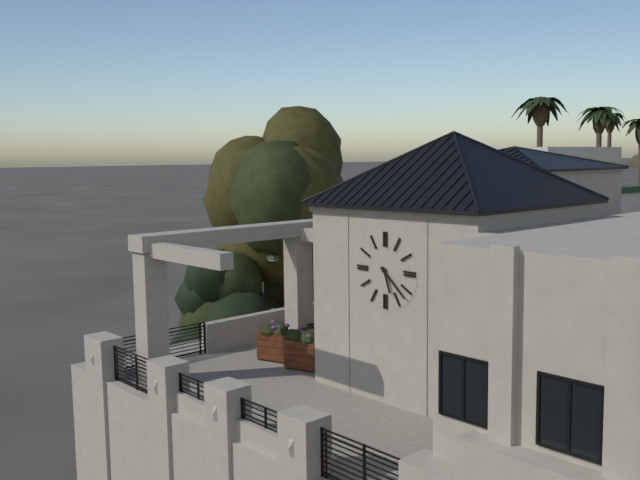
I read {"hour": 5, "minute": 22}
